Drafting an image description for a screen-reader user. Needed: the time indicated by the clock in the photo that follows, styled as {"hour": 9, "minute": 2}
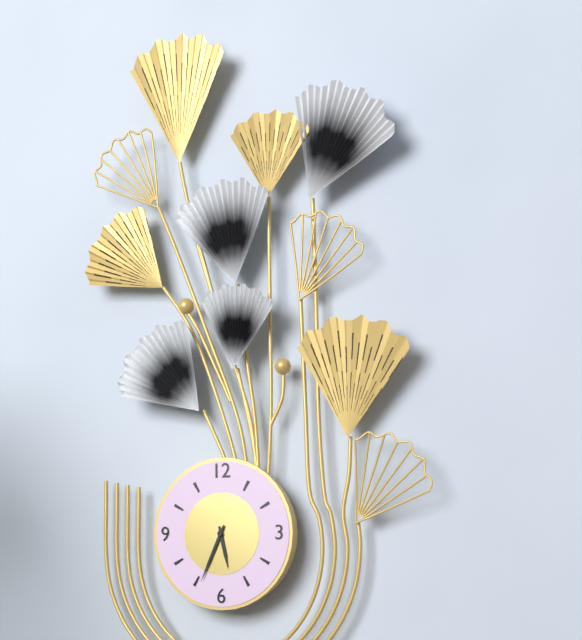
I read {"hour": 5, "minute": 34}
